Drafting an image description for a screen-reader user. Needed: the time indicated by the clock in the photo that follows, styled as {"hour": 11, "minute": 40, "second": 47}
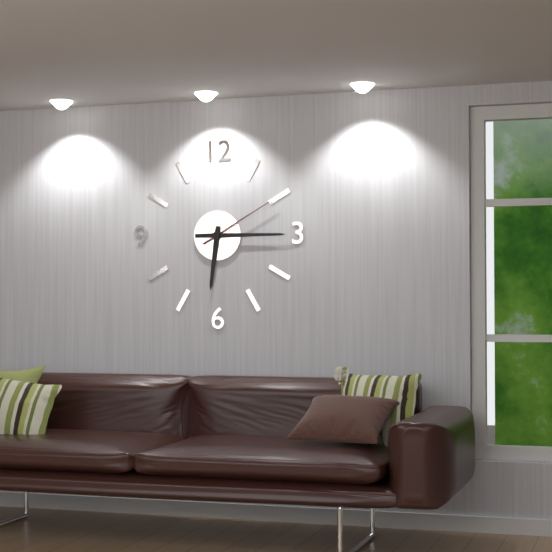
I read {"hour": 6, "minute": 15, "second": 10}
